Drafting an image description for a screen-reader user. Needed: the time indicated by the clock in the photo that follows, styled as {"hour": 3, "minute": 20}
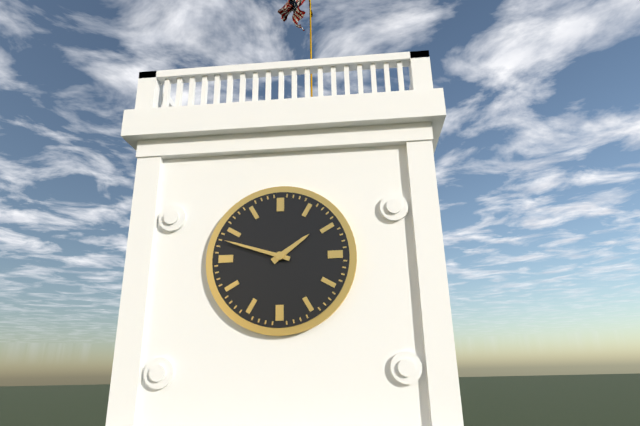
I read {"hour": 1, "minute": 48}
